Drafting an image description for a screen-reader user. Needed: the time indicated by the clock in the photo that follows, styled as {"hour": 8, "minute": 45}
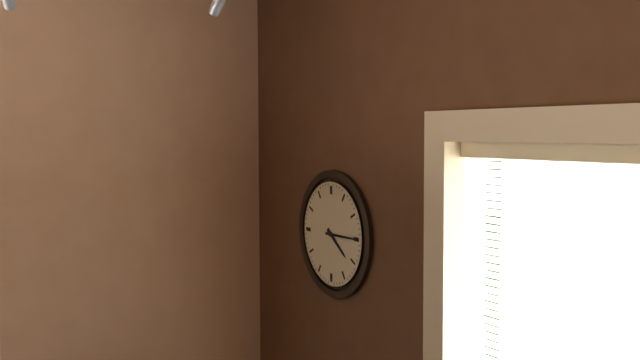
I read {"hour": 4, "minute": 15}
